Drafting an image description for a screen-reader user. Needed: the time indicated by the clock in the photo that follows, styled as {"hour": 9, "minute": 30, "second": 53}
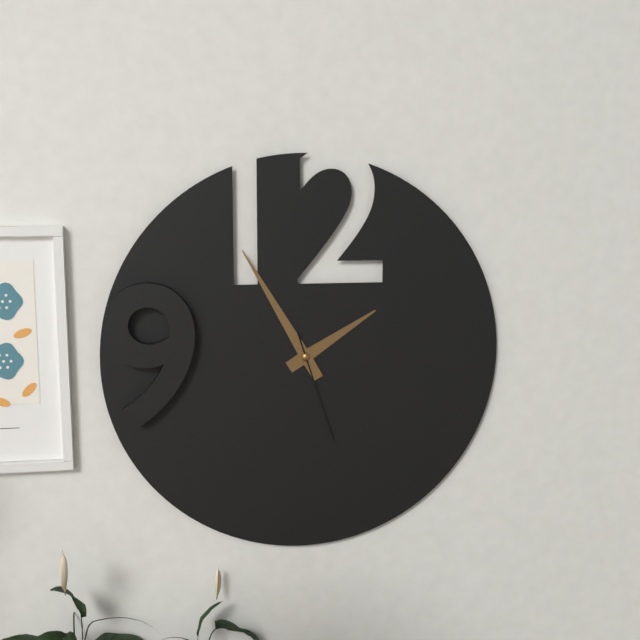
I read {"hour": 1, "minute": 55, "second": 27}
